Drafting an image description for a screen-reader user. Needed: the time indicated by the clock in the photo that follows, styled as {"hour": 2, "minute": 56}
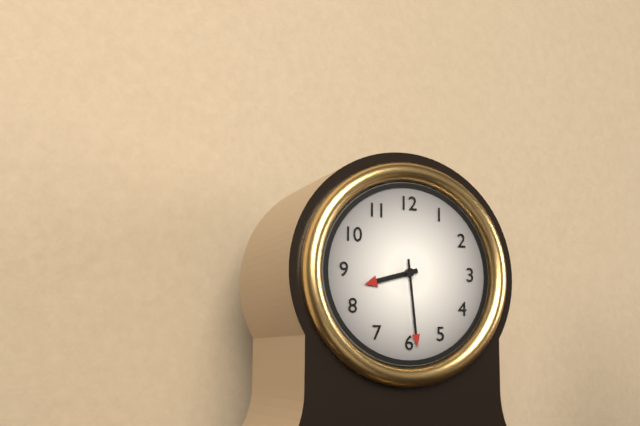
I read {"hour": 8, "minute": 29}
